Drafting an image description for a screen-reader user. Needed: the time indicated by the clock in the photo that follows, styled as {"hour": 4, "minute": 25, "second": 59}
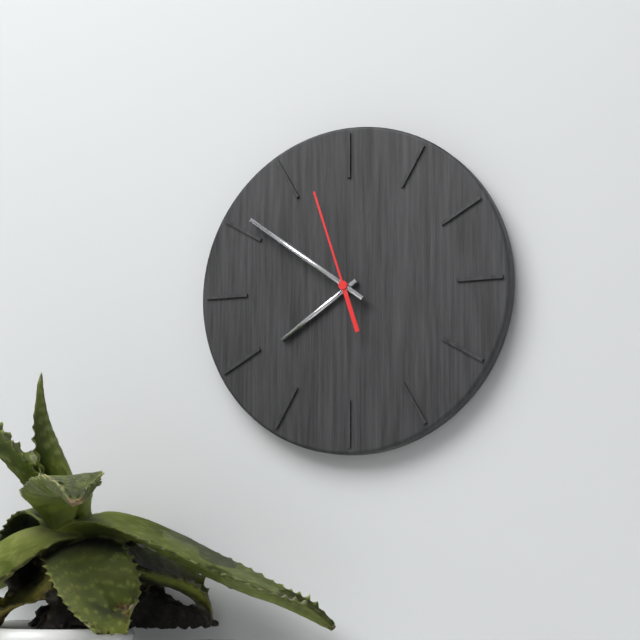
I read {"hour": 7, "minute": 51, "second": 57}
